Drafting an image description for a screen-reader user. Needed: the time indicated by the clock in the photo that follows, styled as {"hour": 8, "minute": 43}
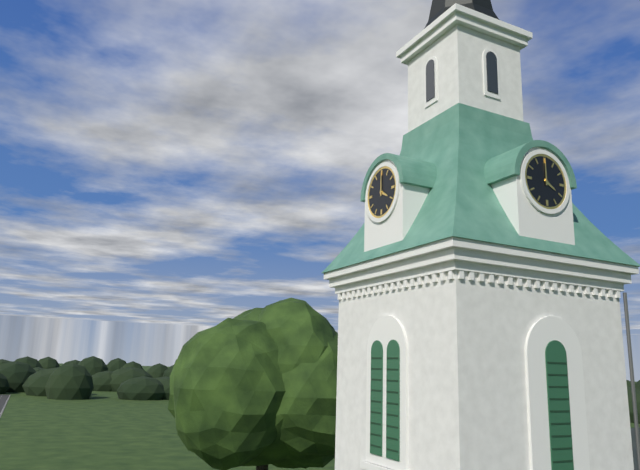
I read {"hour": 4, "minute": 0}
